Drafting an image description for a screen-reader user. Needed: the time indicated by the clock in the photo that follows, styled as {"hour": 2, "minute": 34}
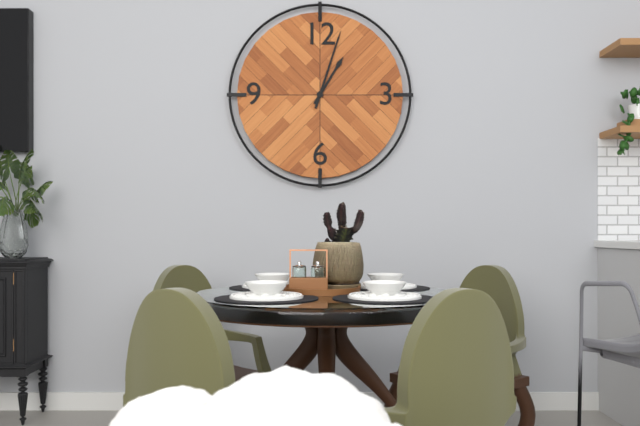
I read {"hour": 1, "minute": 3}
